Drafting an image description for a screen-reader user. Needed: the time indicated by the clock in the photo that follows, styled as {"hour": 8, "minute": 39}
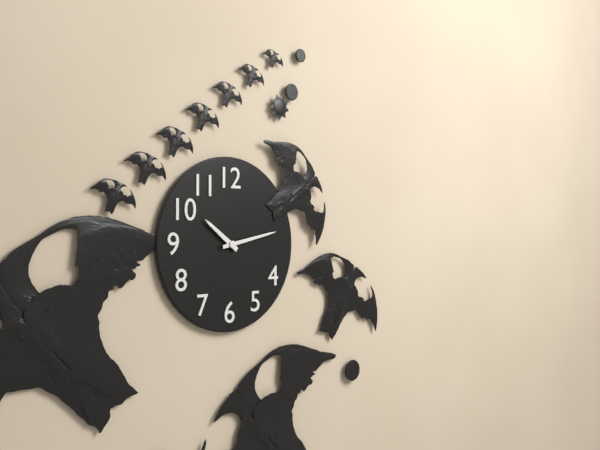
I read {"hour": 10, "minute": 13}
